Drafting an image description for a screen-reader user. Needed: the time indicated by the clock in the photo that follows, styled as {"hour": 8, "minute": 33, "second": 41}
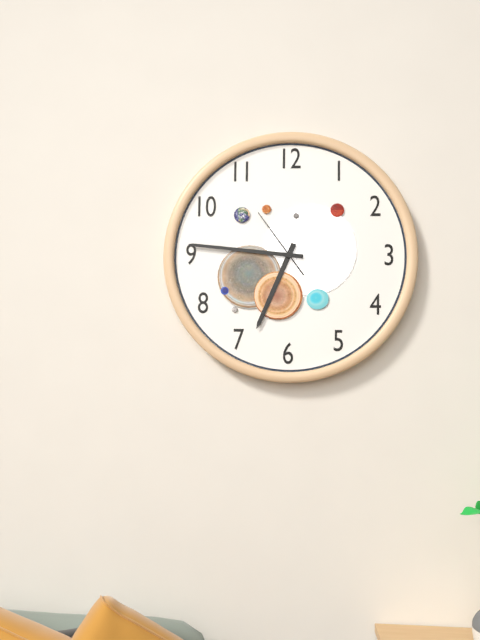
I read {"hour": 6, "minute": 46, "second": 54}
